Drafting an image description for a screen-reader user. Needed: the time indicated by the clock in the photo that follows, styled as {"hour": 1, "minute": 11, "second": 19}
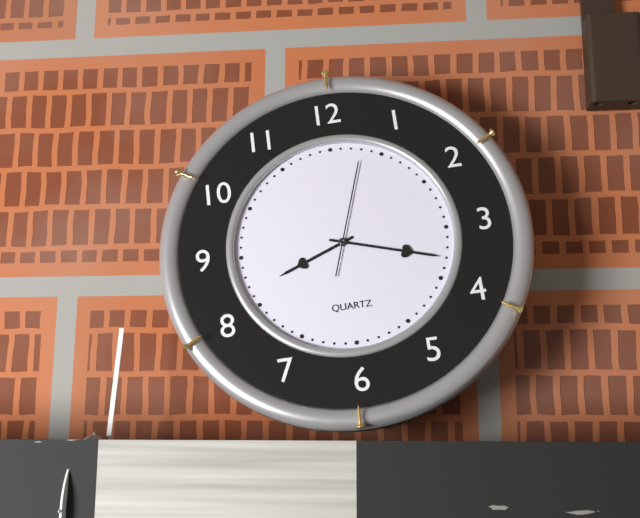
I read {"hour": 8, "minute": 18, "second": 3}
